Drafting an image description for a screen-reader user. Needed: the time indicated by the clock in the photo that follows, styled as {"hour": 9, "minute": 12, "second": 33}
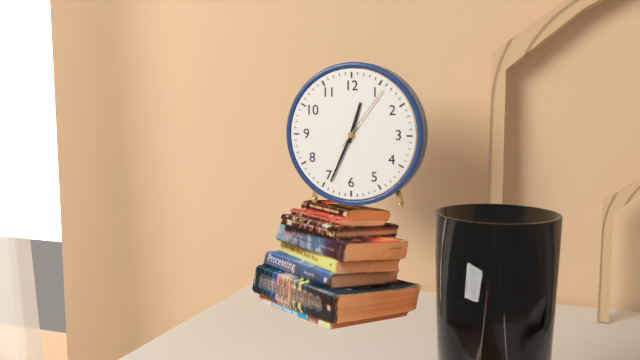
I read {"hour": 12, "minute": 34, "second": 6}
